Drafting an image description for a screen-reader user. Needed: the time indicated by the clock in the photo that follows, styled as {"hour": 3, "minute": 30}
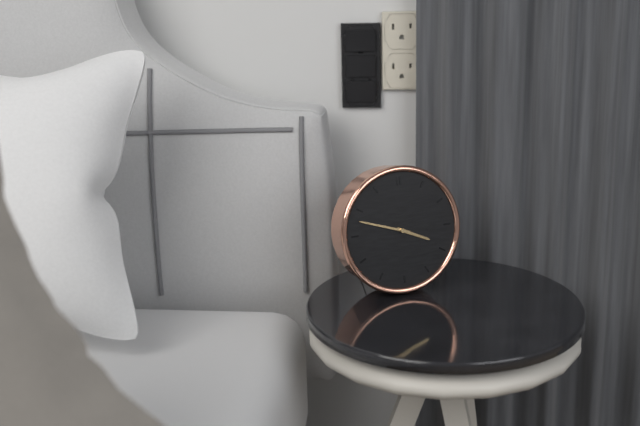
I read {"hour": 3, "minute": 48}
